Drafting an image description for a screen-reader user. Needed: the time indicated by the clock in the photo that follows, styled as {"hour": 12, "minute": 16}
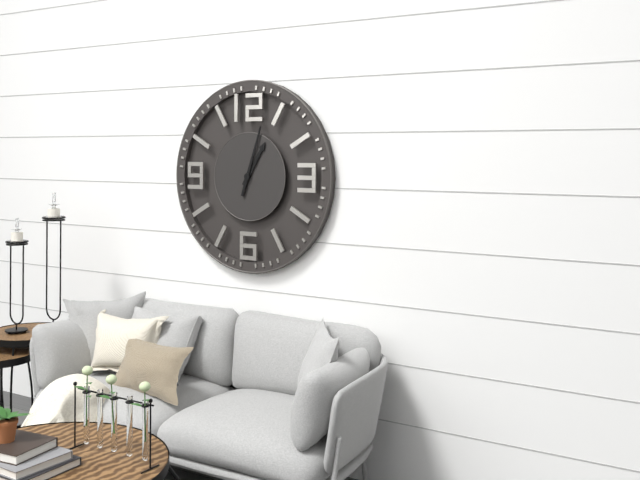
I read {"hour": 1, "minute": 3}
